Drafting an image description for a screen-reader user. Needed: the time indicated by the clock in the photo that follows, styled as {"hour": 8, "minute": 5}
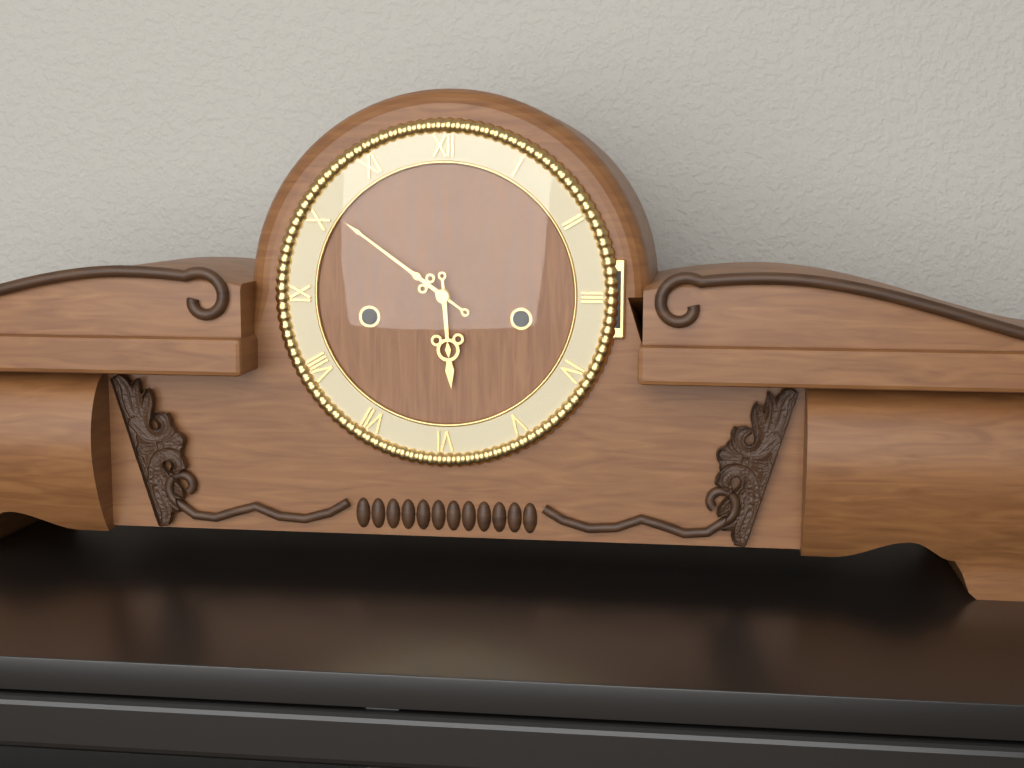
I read {"hour": 5, "minute": 51}
